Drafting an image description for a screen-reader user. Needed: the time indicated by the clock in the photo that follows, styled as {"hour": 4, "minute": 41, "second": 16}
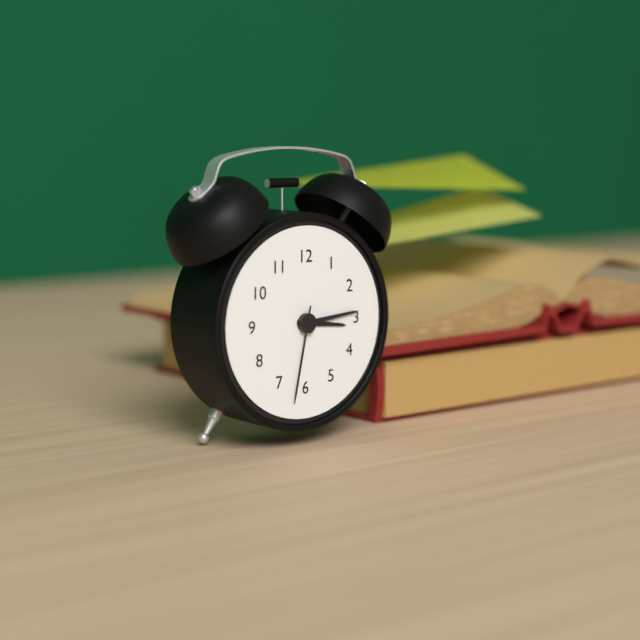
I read {"hour": 3, "minute": 14, "second": 32}
